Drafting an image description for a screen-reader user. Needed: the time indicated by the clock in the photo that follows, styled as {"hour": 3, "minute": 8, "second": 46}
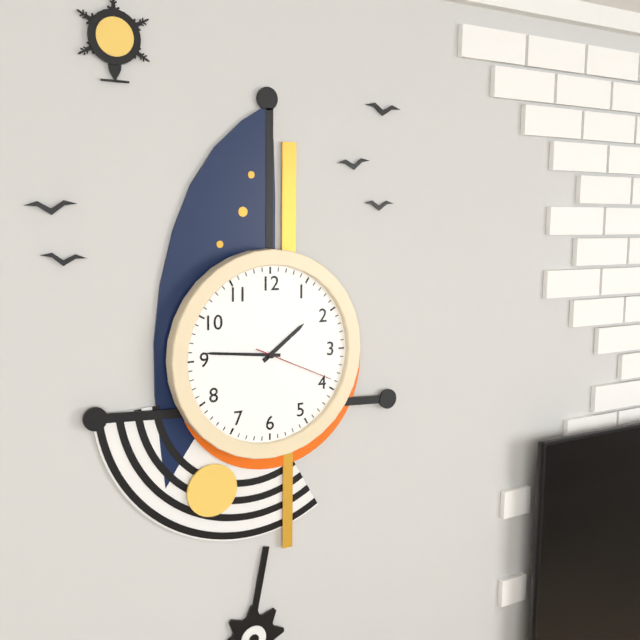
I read {"hour": 1, "minute": 46, "second": 19}
